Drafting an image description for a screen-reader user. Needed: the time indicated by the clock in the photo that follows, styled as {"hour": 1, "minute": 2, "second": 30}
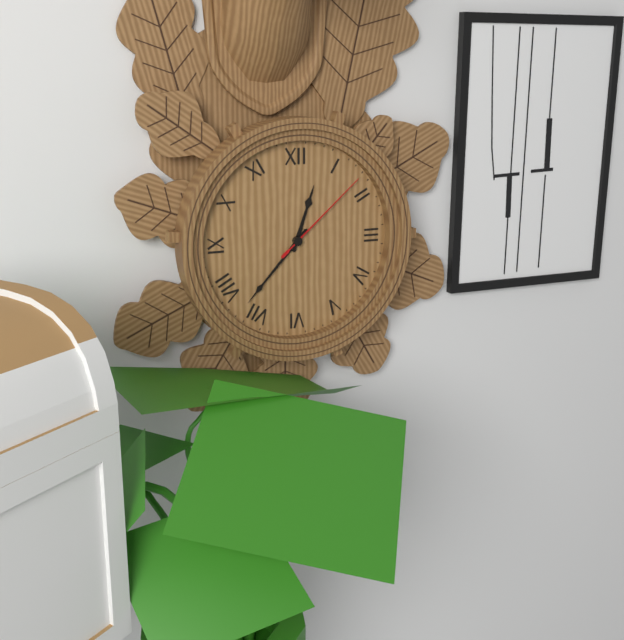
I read {"hour": 12, "minute": 37, "second": 8}
